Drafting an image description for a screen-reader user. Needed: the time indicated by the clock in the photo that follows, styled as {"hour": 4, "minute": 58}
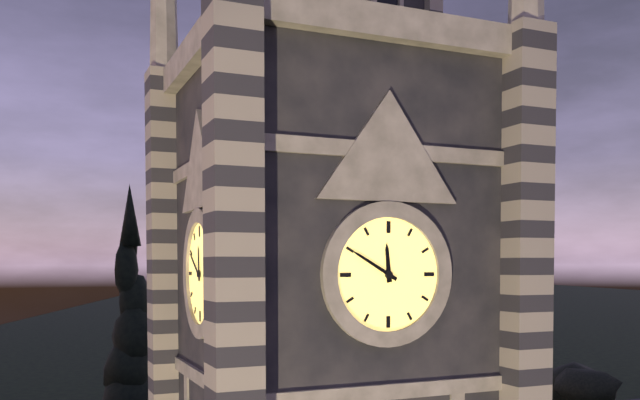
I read {"hour": 11, "minute": 50}
